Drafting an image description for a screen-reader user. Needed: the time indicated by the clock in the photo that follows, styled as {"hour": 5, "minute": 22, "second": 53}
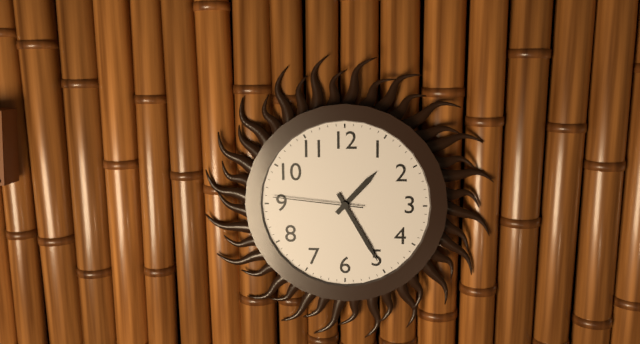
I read {"hour": 1, "minute": 25, "second": 46}
